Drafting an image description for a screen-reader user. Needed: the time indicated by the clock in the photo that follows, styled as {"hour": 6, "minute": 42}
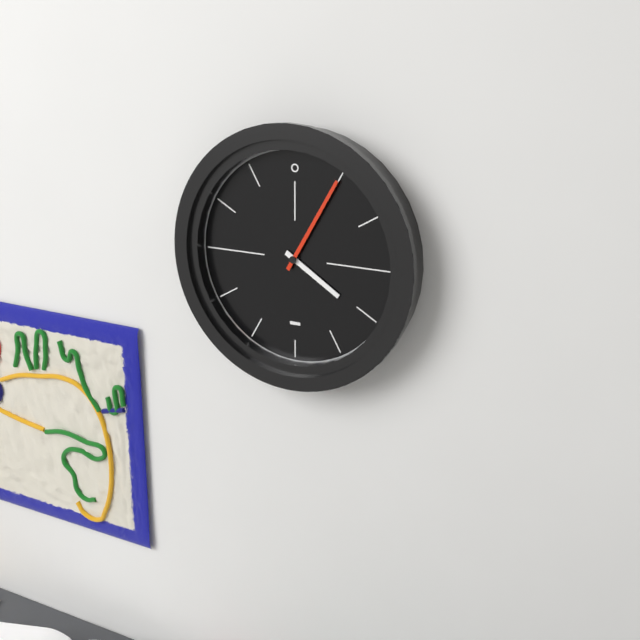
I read {"hour": 4, "minute": 5}
